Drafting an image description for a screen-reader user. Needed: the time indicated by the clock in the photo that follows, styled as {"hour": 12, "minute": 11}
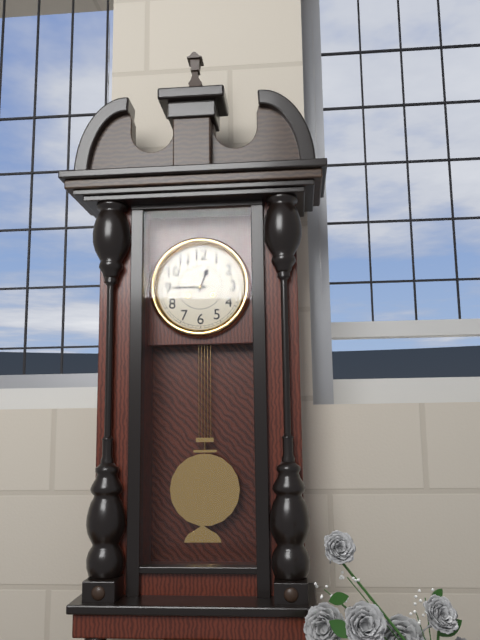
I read {"hour": 12, "minute": 45}
